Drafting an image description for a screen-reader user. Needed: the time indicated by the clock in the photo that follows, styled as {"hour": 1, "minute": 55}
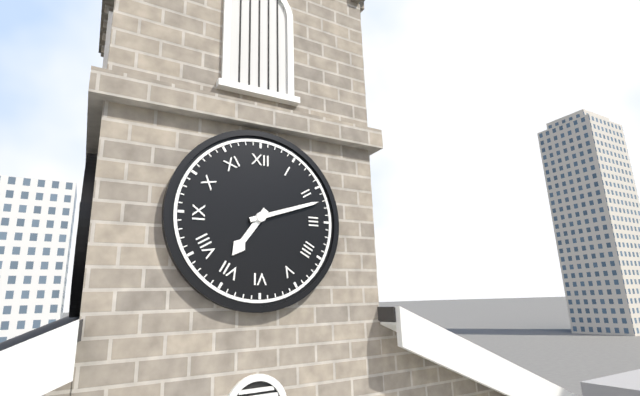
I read {"hour": 7, "minute": 12}
